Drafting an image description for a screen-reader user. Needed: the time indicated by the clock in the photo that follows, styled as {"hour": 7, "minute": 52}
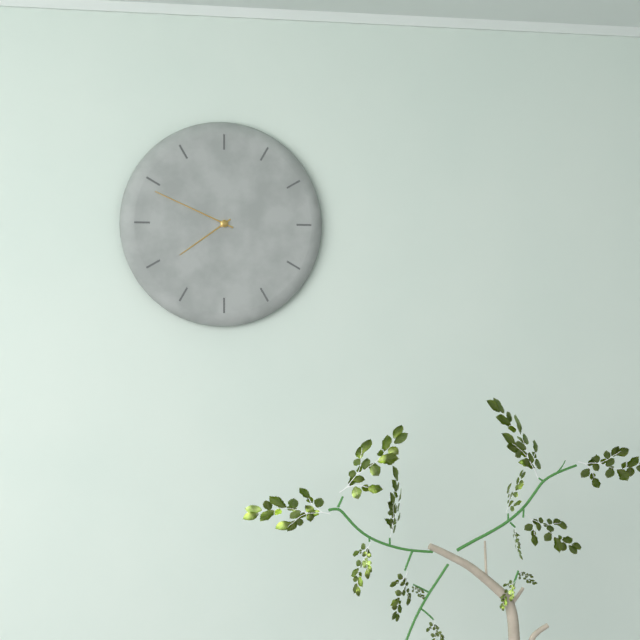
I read {"hour": 7, "minute": 49}
